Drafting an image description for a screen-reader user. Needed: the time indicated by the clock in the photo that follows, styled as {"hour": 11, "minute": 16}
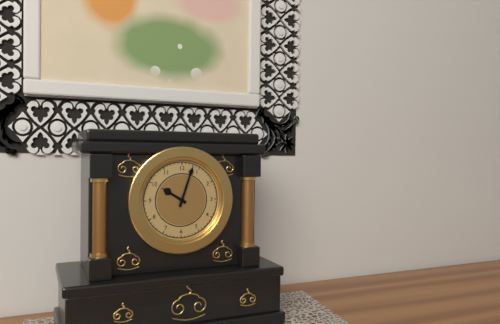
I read {"hour": 10, "minute": 3}
